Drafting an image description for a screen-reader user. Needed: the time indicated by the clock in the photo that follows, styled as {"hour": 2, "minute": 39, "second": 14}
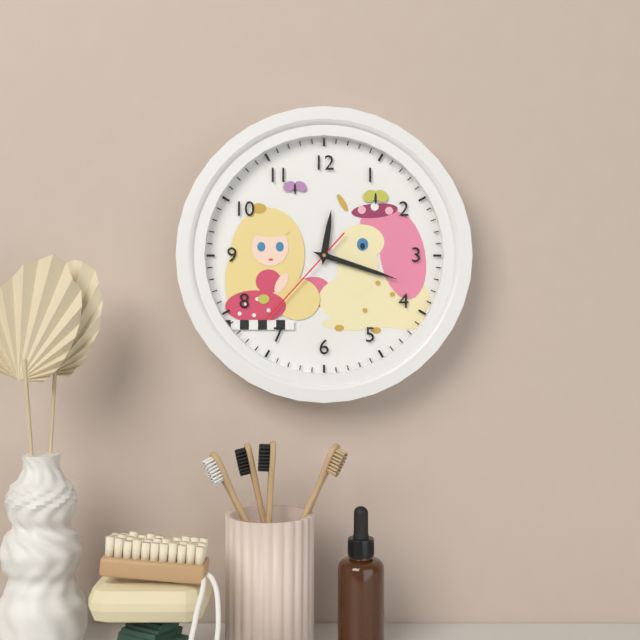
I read {"hour": 12, "minute": 18, "second": 37}
